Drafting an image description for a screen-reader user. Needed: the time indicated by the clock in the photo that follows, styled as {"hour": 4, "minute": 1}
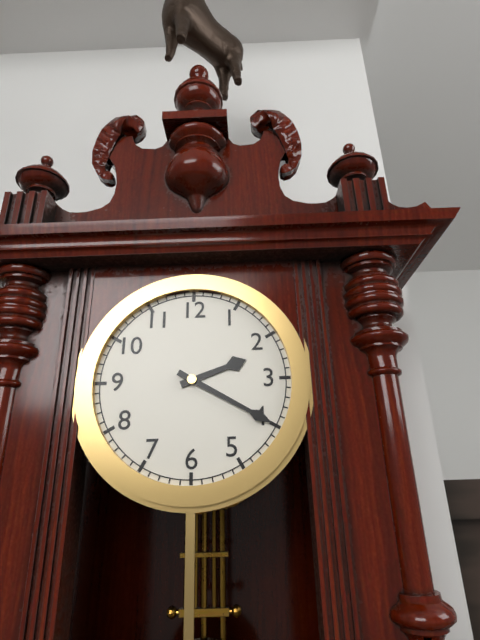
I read {"hour": 2, "minute": 20}
